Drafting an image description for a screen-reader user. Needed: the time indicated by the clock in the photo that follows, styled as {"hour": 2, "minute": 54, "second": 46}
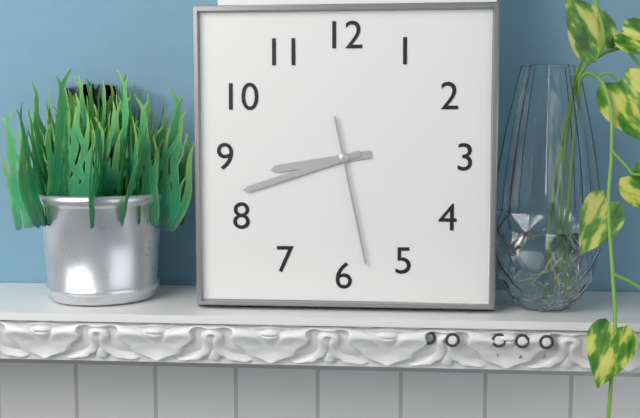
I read {"hour": 8, "minute": 42, "second": 28}
